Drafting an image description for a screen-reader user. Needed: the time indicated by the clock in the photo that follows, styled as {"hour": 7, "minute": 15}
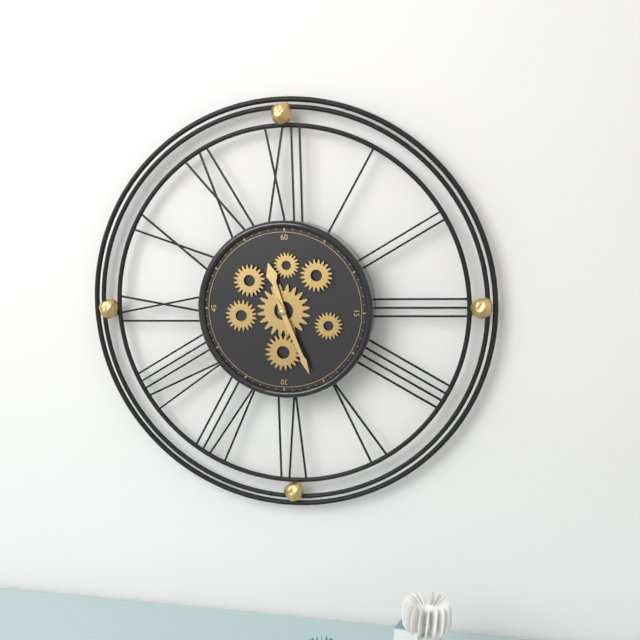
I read {"hour": 11, "minute": 26}
